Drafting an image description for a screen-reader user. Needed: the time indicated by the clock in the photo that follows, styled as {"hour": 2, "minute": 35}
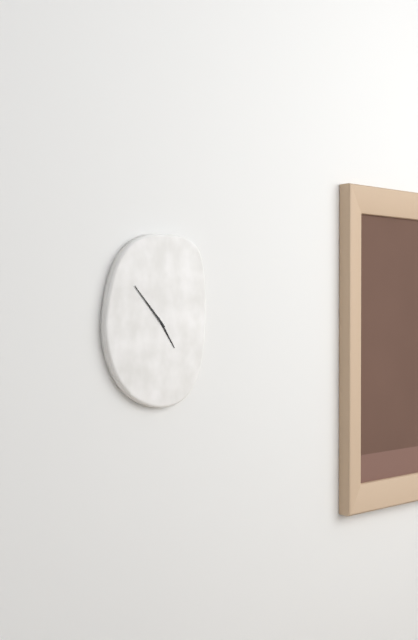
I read {"hour": 4, "minute": 53}
